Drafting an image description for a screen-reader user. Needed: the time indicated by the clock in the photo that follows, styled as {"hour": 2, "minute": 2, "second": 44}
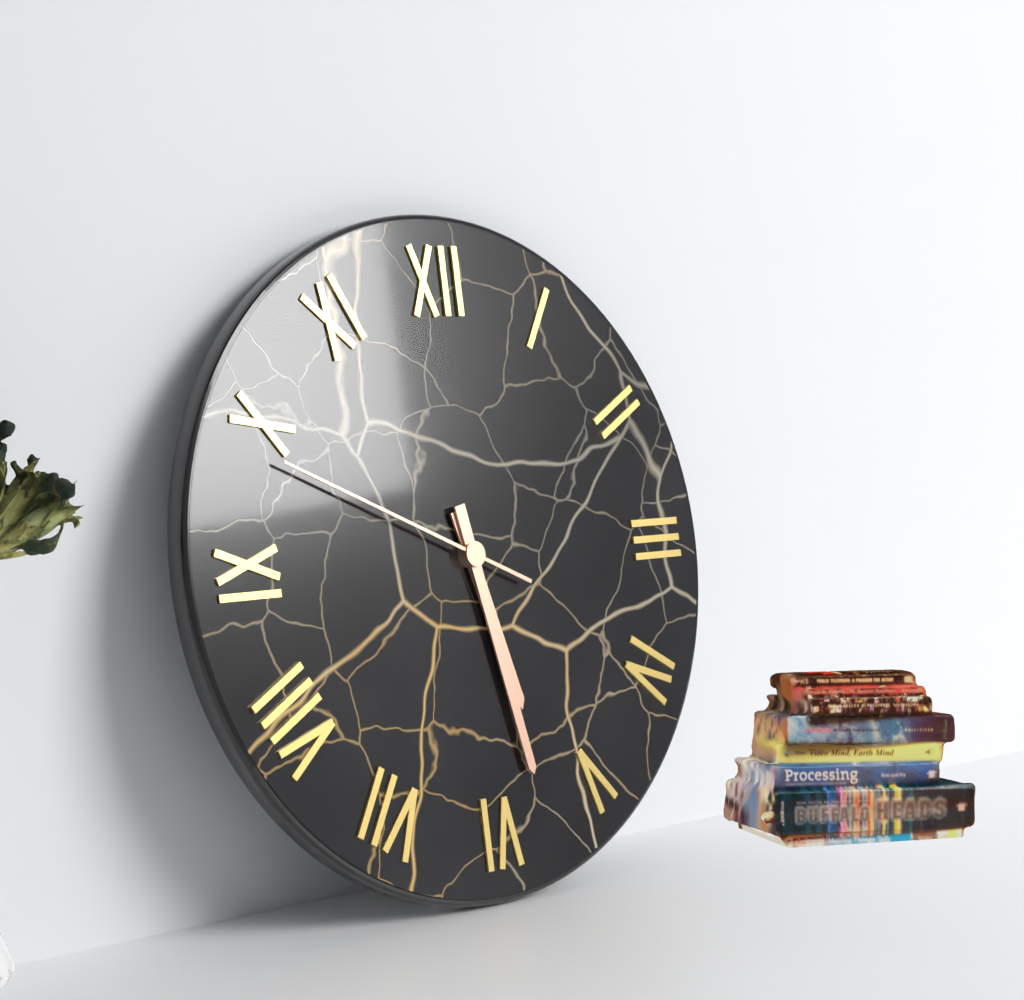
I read {"hour": 5, "minute": 28, "second": 49}
